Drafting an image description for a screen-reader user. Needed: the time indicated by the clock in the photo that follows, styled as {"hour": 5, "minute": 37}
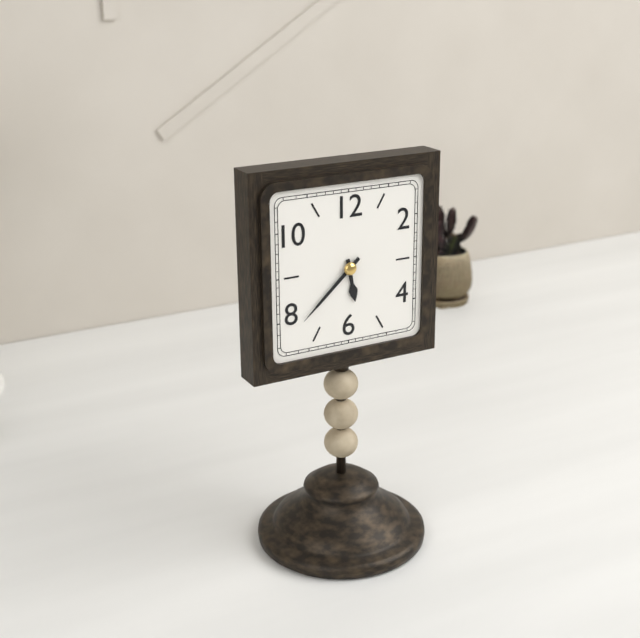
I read {"hour": 5, "minute": 38}
